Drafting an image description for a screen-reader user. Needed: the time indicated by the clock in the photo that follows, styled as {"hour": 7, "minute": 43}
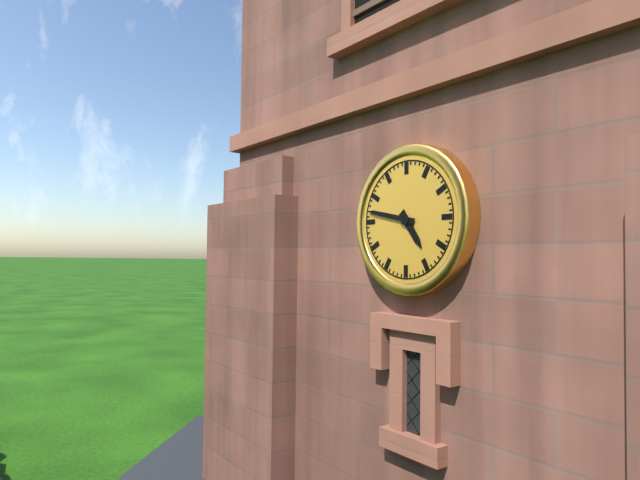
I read {"hour": 4, "minute": 47}
